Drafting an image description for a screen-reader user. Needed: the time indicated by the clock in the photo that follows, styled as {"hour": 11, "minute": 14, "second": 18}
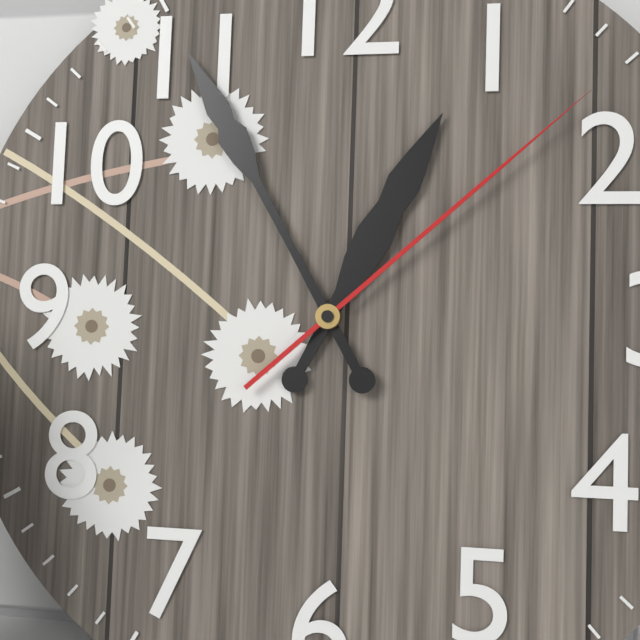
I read {"hour": 12, "minute": 55, "second": 8}
